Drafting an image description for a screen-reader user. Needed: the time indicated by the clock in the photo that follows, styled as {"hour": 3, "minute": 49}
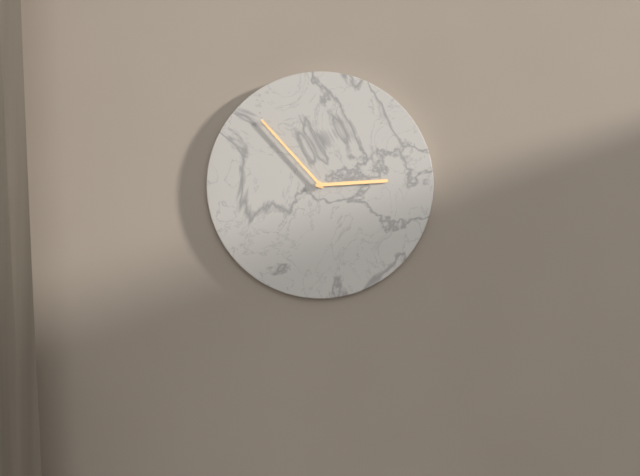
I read {"hour": 2, "minute": 53}
